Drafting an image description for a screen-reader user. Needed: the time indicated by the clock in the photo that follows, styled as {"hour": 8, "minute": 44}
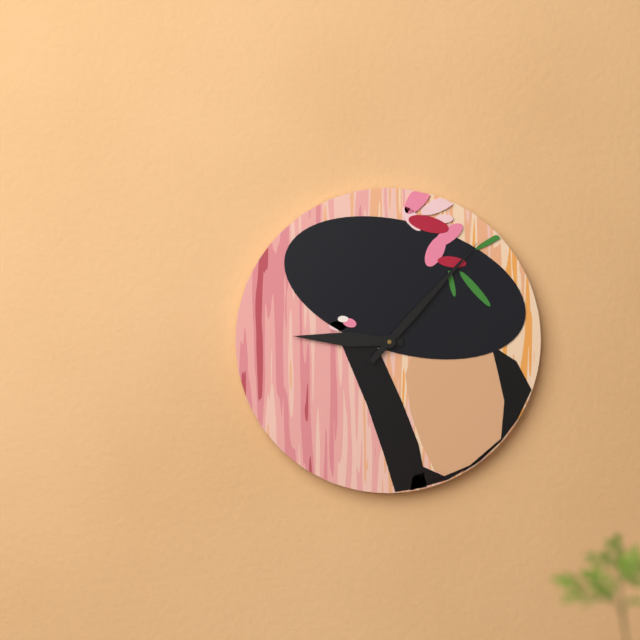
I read {"hour": 9, "minute": 7}
